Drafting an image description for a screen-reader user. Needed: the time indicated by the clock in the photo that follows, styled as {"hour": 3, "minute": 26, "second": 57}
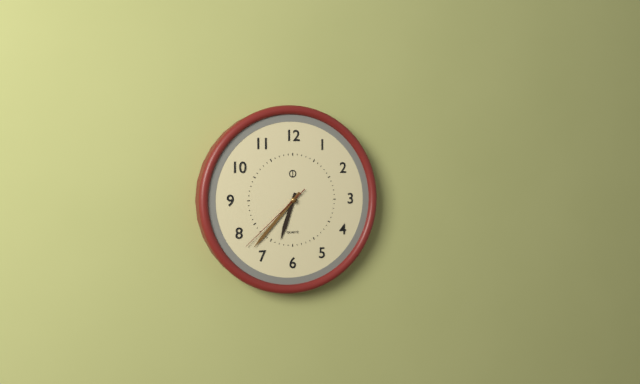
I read {"hour": 6, "minute": 37, "second": 38}
